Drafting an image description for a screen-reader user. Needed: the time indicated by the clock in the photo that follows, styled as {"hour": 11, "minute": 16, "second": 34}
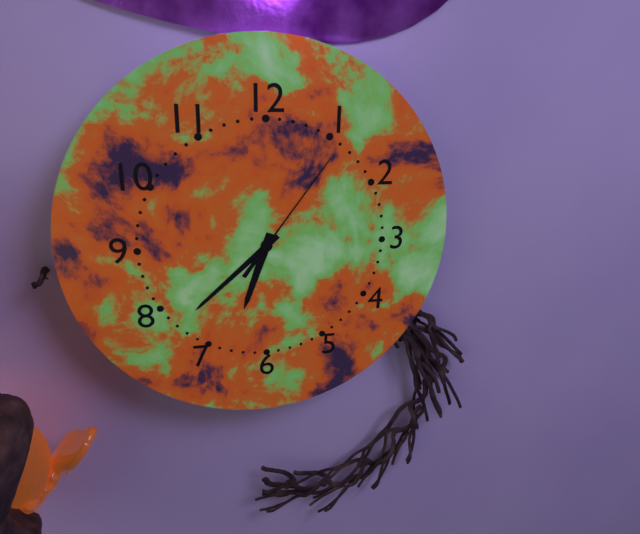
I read {"hour": 6, "minute": 38, "second": 6}
